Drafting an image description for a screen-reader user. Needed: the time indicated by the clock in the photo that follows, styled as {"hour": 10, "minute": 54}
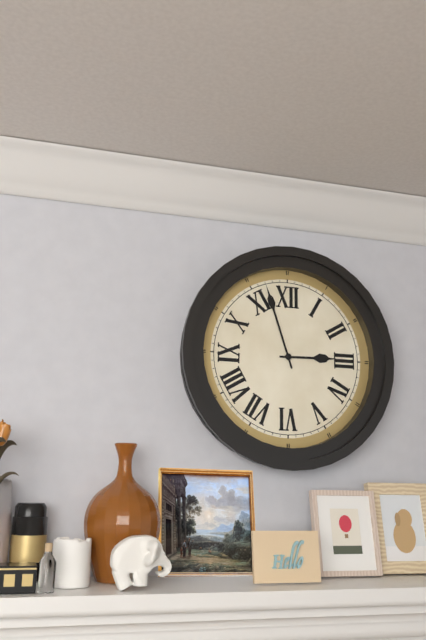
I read {"hour": 2, "minute": 57}
